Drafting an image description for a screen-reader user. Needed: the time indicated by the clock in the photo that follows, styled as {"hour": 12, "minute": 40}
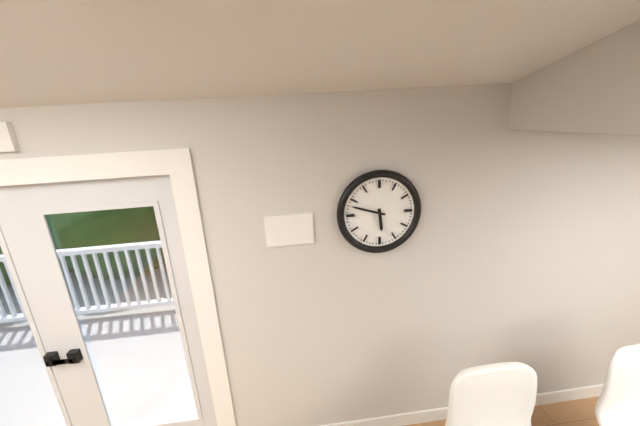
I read {"hour": 5, "minute": 48}
